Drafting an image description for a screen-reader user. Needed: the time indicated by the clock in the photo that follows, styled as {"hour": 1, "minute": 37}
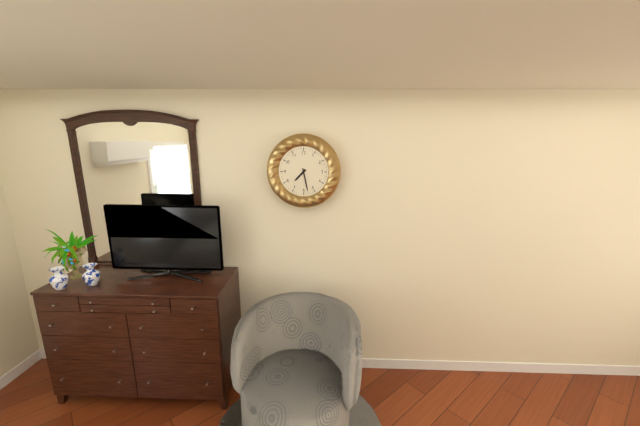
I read {"hour": 7, "minute": 28}
